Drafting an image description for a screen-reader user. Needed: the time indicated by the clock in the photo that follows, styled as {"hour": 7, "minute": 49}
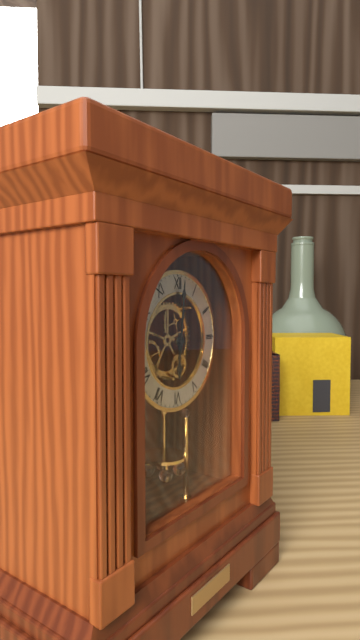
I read {"hour": 6, "minute": 1}
